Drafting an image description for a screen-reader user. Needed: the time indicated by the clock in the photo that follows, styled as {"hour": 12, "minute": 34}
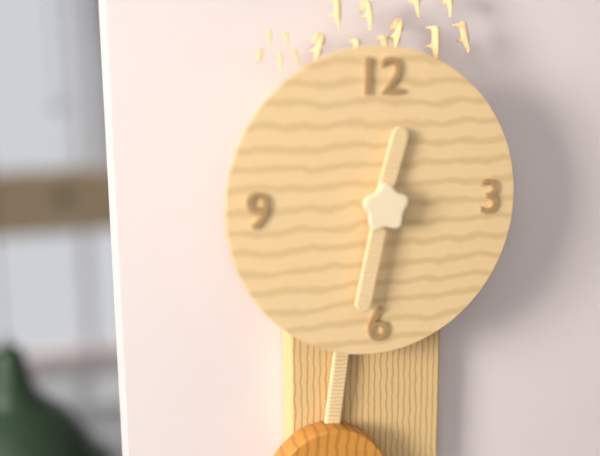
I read {"hour": 12, "minute": 32}
